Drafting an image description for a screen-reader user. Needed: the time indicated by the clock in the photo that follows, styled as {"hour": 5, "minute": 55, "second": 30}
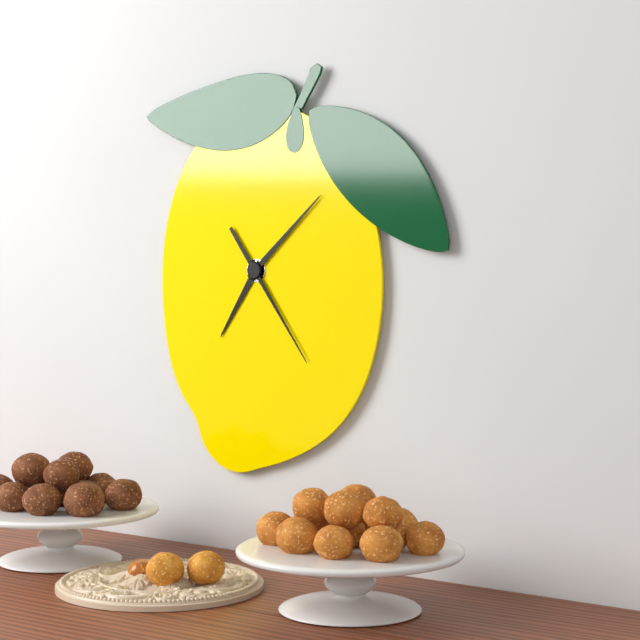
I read {"hour": 7, "minute": 8, "second": 24}
